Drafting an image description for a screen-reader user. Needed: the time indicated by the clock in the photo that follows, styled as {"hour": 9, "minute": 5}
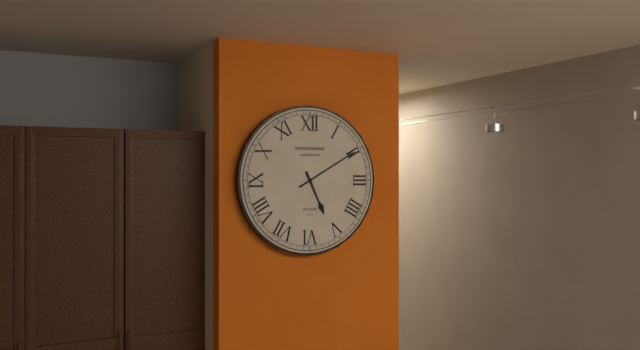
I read {"hour": 5, "minute": 10}
